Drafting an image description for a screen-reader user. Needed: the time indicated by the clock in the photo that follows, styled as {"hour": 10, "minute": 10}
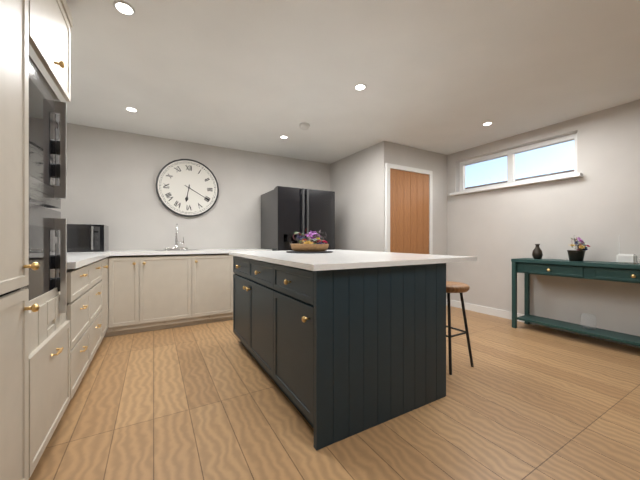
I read {"hour": 6, "minute": 20}
